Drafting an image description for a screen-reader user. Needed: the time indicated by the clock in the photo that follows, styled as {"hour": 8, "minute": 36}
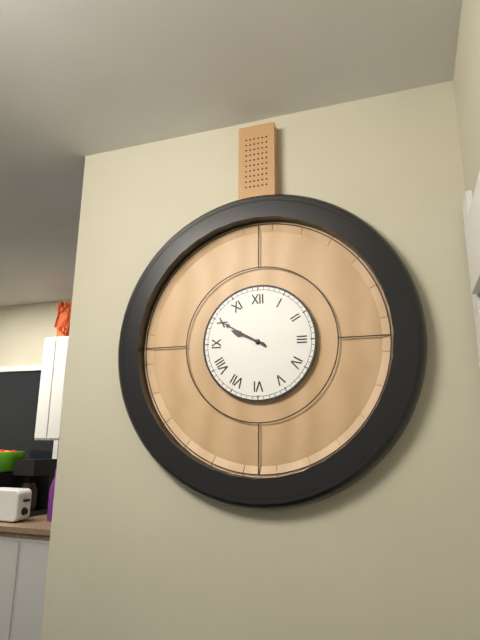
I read {"hour": 9, "minute": 50}
